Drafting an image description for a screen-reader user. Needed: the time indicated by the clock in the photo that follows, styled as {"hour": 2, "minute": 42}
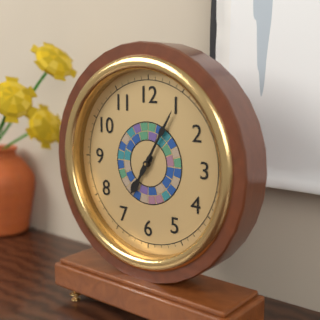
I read {"hour": 7, "minute": 5}
